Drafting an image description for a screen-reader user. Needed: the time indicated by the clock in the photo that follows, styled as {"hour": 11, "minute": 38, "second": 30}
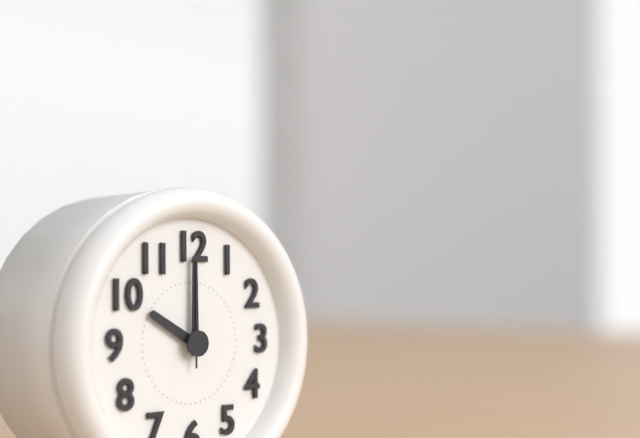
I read {"hour": 10, "minute": 0, "second": 0}
